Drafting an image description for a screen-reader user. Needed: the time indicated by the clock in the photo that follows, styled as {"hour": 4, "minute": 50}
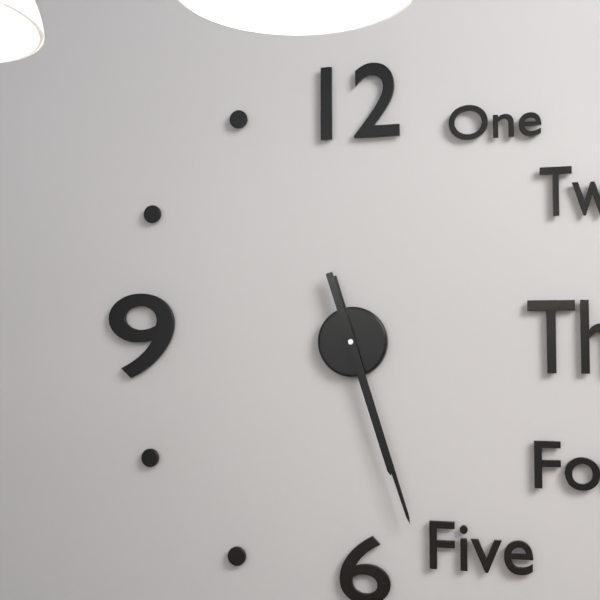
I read {"hour": 5, "minute": 27}
